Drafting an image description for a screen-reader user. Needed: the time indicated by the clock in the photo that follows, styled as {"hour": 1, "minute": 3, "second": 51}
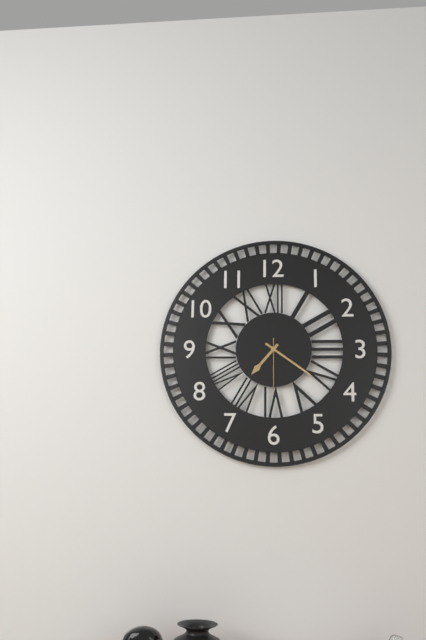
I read {"hour": 7, "minute": 21, "second": 30}
